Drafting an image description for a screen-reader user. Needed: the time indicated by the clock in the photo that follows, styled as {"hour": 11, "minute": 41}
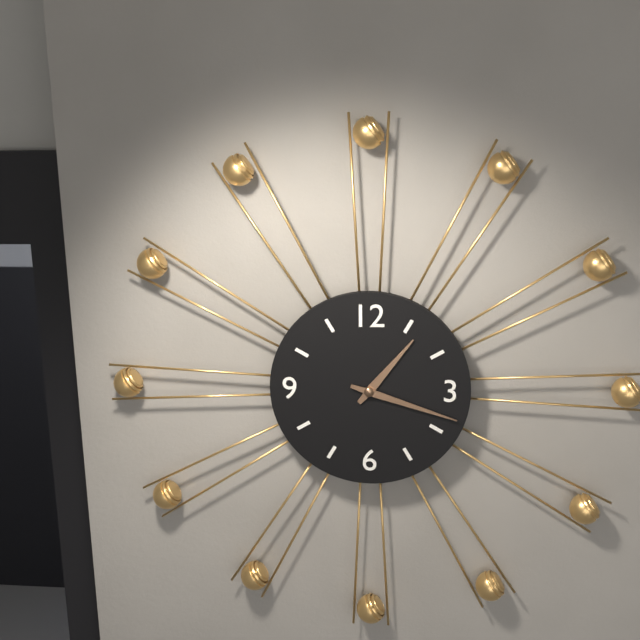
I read {"hour": 1, "minute": 18}
